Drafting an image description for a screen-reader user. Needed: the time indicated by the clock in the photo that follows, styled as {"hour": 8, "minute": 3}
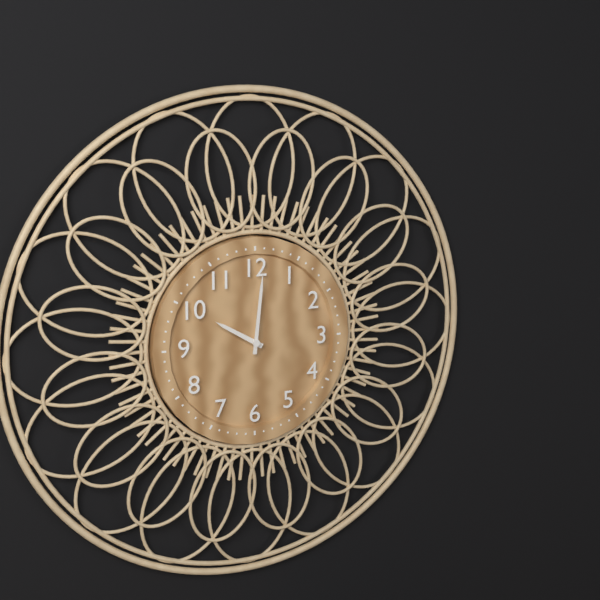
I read {"hour": 10, "minute": 1}
